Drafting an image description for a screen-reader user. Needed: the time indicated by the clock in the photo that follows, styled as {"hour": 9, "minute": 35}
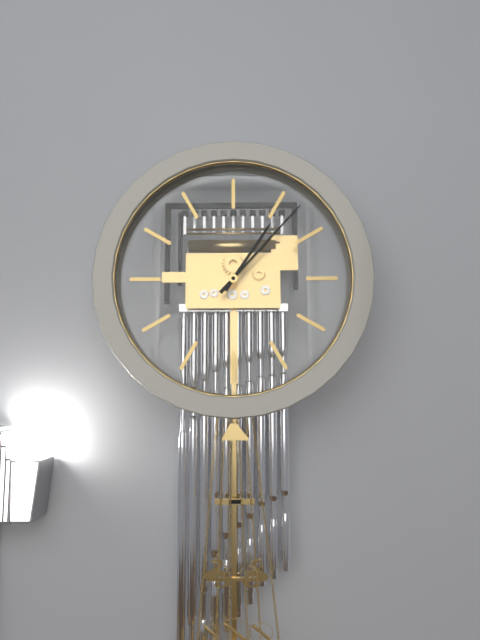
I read {"hour": 1, "minute": 7}
